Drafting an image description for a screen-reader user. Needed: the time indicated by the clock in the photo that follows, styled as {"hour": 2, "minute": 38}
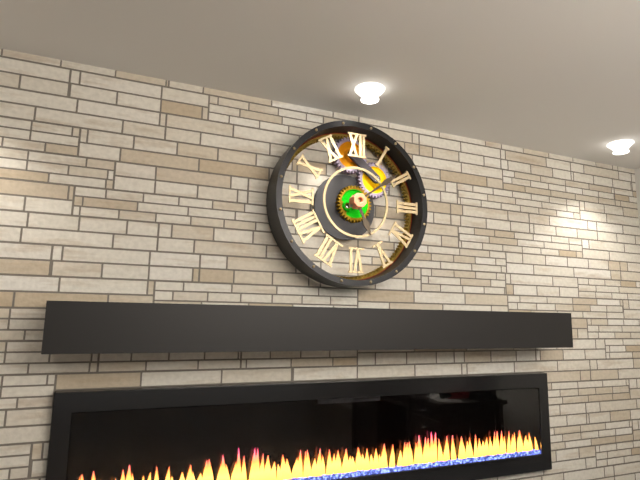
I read {"hour": 5, "minute": 9}
